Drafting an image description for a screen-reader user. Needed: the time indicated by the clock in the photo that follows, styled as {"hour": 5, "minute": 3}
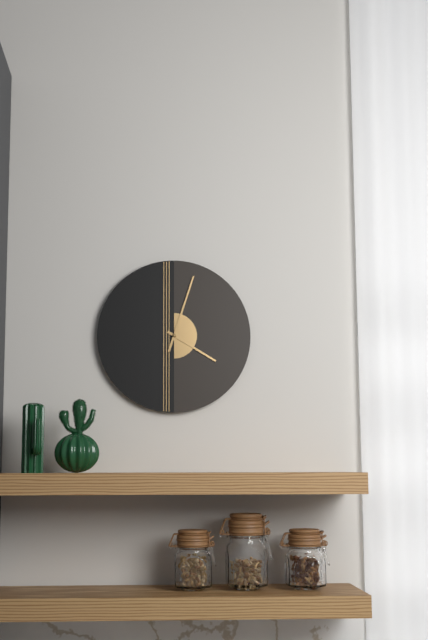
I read {"hour": 4, "minute": 3}
